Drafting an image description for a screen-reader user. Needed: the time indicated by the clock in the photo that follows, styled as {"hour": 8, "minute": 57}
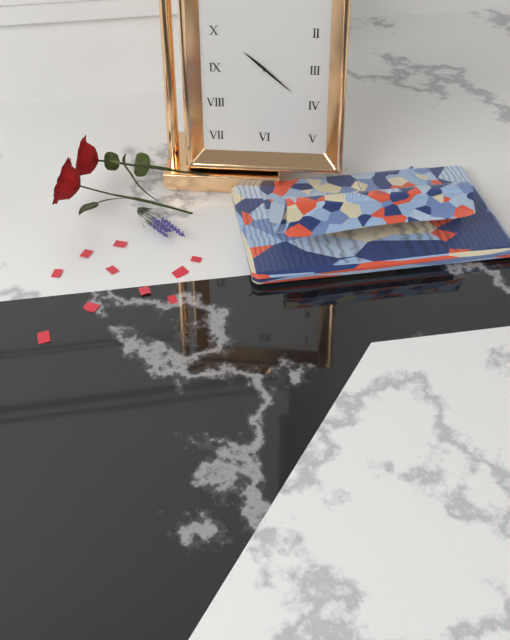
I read {"hour": 10, "minute": 22}
